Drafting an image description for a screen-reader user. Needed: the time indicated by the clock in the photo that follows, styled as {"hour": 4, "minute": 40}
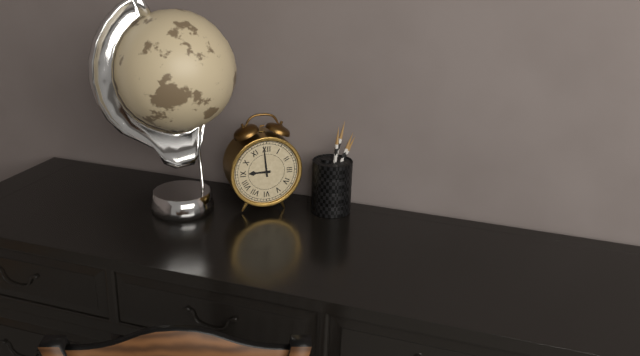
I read {"hour": 8, "minute": 59}
